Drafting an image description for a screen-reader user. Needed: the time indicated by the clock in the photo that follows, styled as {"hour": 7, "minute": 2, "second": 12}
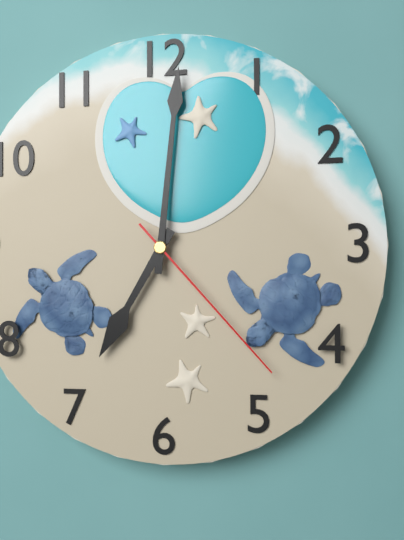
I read {"hour": 7, "minute": 1, "second": 23}
